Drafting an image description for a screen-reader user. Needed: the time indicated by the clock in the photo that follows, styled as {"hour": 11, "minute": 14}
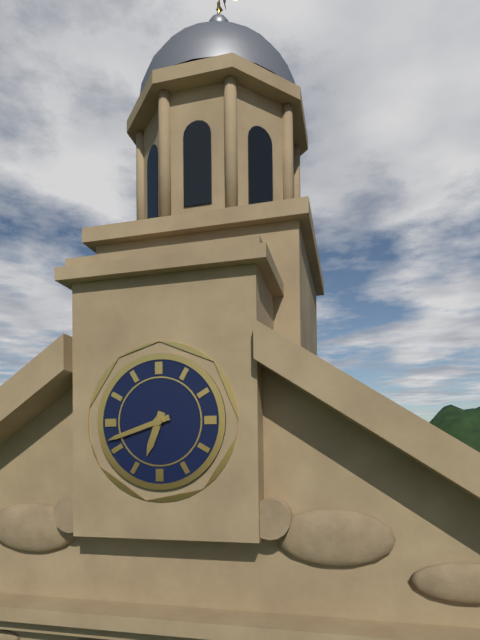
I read {"hour": 6, "minute": 42}
